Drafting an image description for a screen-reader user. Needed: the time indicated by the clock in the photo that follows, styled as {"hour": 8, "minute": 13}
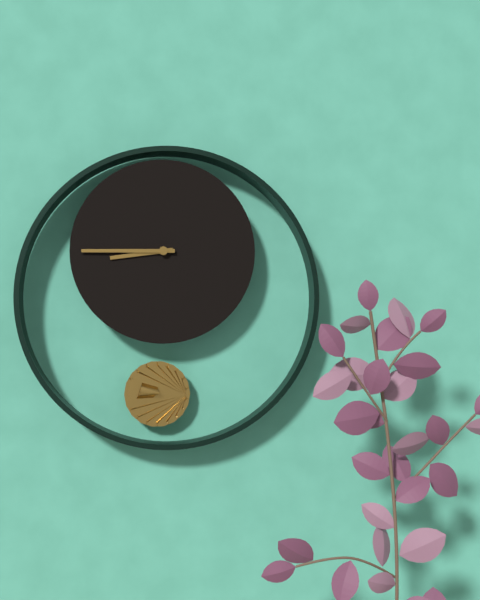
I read {"hour": 8, "minute": 45}
